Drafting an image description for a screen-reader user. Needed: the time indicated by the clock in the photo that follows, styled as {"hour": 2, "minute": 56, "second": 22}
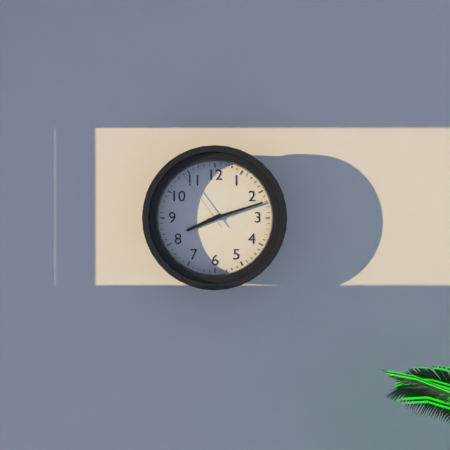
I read {"hour": 8, "minute": 12, "second": 54}
